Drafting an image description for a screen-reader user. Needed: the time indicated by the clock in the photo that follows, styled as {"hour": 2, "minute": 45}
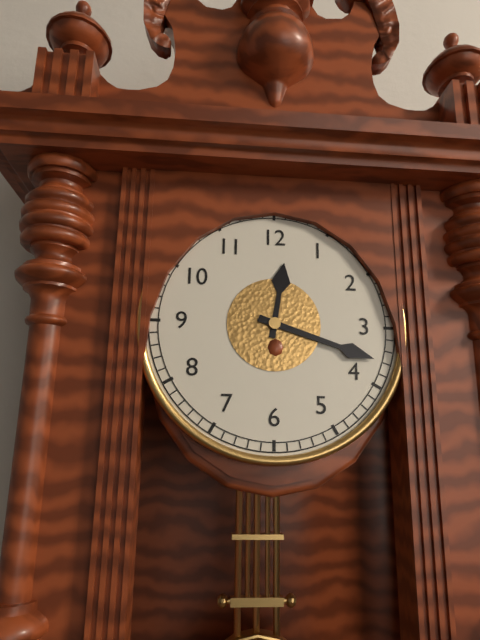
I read {"hour": 12, "minute": 18}
